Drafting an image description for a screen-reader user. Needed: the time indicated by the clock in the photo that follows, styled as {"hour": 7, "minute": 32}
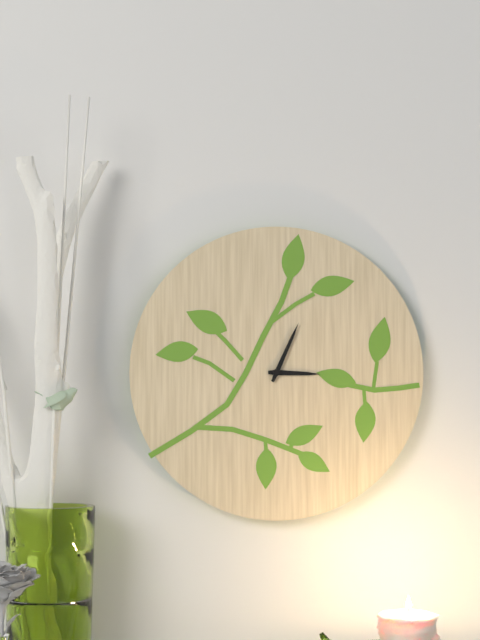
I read {"hour": 3, "minute": 4}
